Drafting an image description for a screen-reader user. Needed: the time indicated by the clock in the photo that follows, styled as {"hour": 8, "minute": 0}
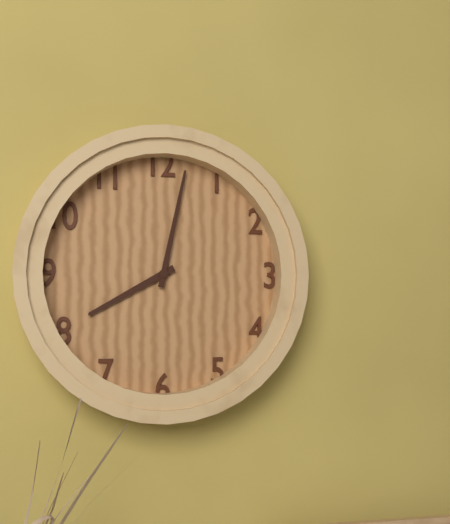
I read {"hour": 8, "minute": 2}
